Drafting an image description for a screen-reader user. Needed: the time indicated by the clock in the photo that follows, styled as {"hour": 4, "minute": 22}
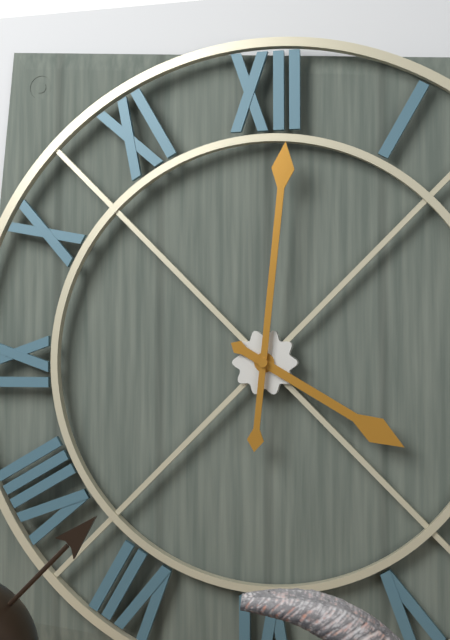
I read {"hour": 4, "minute": 1}
